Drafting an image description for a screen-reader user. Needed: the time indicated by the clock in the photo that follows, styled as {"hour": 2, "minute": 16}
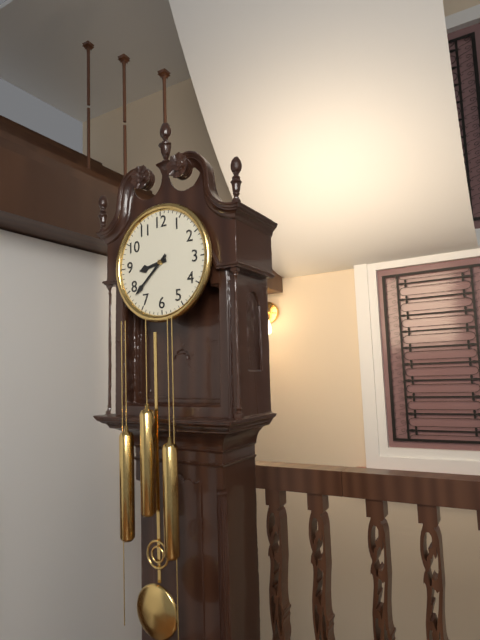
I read {"hour": 8, "minute": 38}
